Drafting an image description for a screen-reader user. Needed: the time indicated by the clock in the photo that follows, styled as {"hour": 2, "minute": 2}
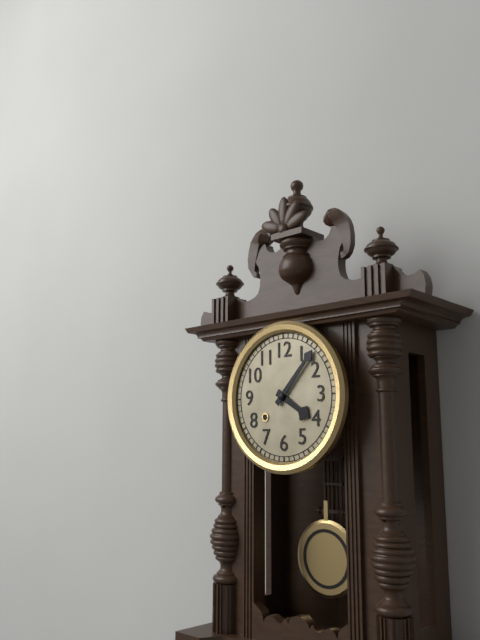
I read {"hour": 4, "minute": 7}
